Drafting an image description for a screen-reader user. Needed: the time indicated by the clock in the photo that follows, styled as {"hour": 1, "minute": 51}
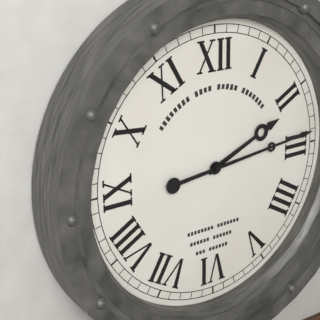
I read {"hour": 2, "minute": 14}
